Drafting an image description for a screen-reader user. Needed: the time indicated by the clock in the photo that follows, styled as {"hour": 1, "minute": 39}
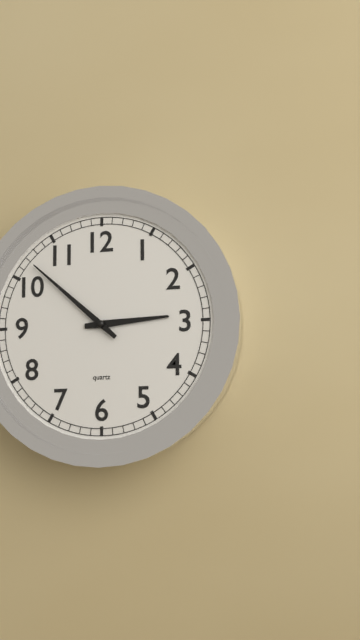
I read {"hour": 2, "minute": 52}
